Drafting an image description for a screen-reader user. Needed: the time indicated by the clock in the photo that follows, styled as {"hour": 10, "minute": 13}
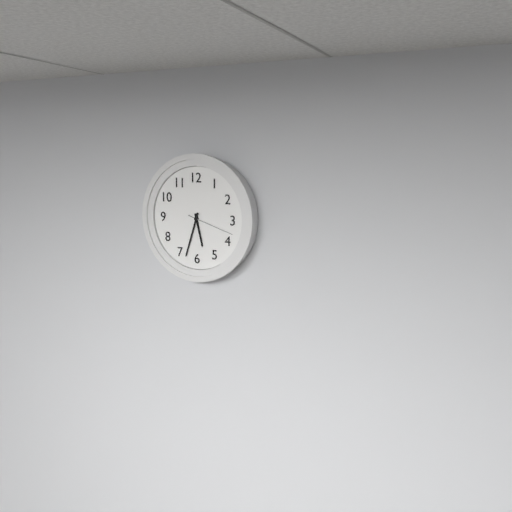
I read {"hour": 5, "minute": 33}
